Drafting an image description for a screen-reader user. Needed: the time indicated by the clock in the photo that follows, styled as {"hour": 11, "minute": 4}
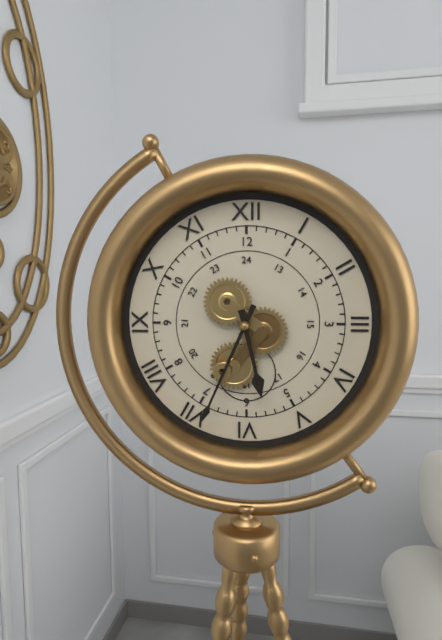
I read {"hour": 5, "minute": 34}
